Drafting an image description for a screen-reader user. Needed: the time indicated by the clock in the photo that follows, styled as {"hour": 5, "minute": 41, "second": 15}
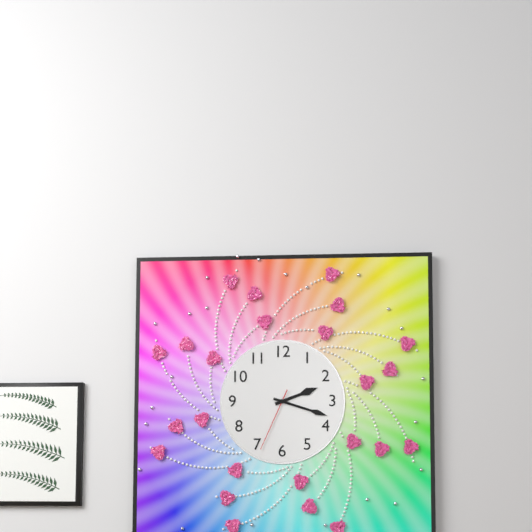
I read {"hour": 2, "minute": 18, "second": 34}
